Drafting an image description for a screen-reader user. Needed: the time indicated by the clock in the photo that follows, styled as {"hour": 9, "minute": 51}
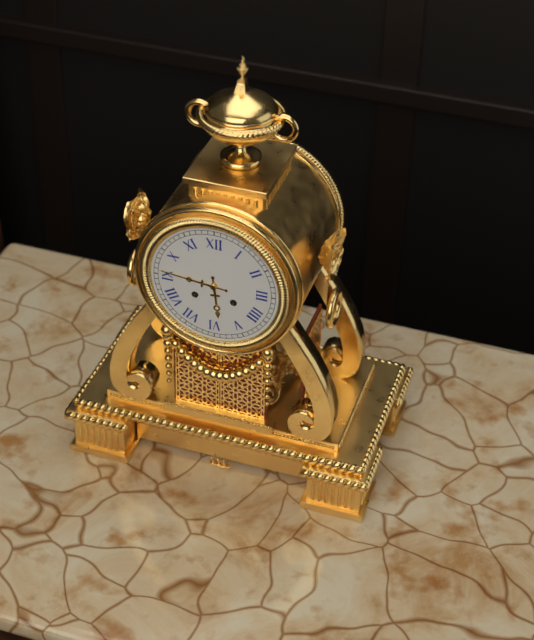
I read {"hour": 5, "minute": 46}
